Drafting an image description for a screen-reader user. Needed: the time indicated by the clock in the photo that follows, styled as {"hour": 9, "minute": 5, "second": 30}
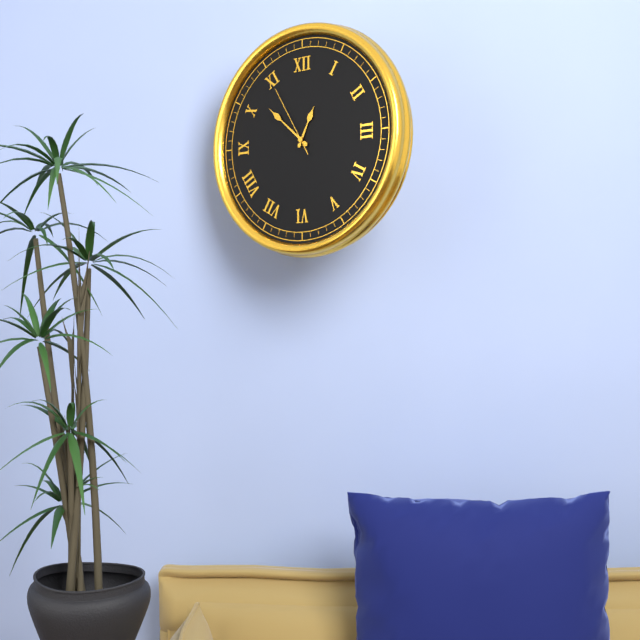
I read {"hour": 12, "minute": 52, "second": 55}
